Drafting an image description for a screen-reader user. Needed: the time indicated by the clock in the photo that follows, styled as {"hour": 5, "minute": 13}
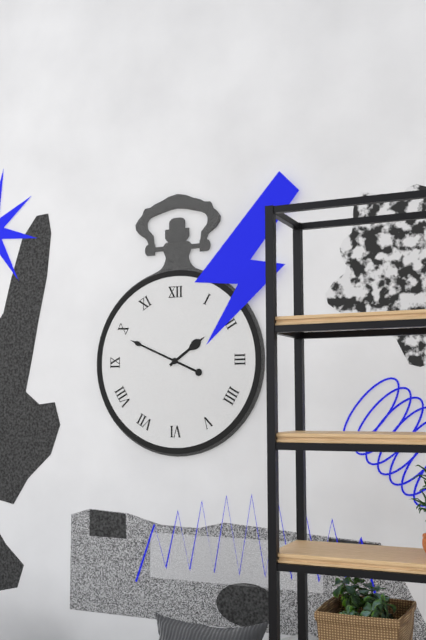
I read {"hour": 1, "minute": 49}
